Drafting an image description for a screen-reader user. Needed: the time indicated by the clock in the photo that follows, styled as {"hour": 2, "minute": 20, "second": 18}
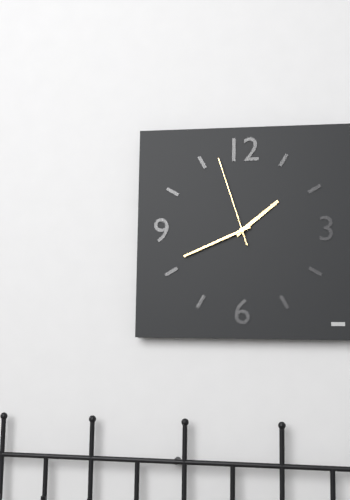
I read {"hour": 1, "minute": 41, "second": 57}
